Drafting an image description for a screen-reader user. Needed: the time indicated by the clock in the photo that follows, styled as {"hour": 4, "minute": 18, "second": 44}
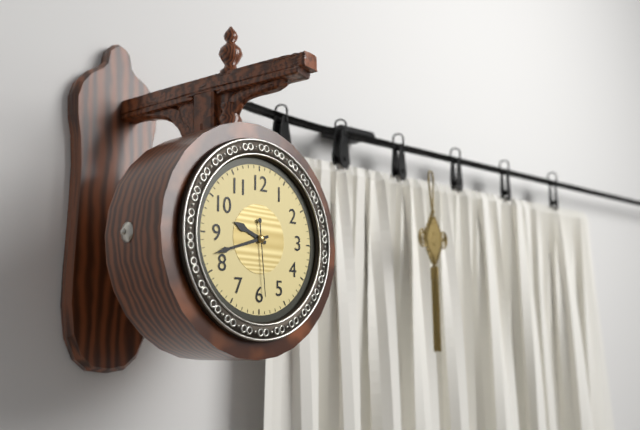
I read {"hour": 9, "minute": 42, "second": 29}
